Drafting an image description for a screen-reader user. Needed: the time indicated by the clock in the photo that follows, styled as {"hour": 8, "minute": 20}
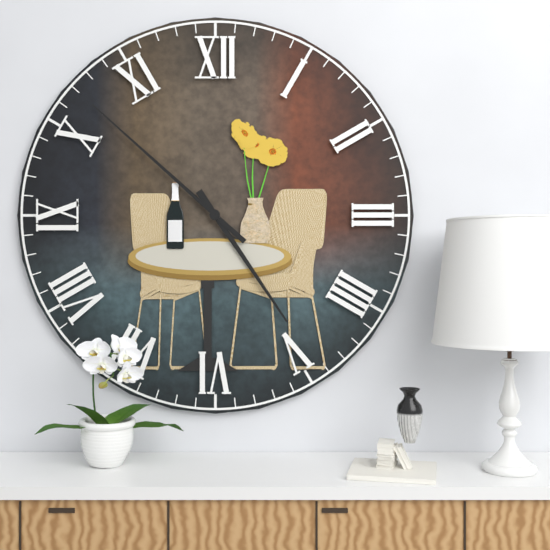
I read {"hour": 4, "minute": 52}
